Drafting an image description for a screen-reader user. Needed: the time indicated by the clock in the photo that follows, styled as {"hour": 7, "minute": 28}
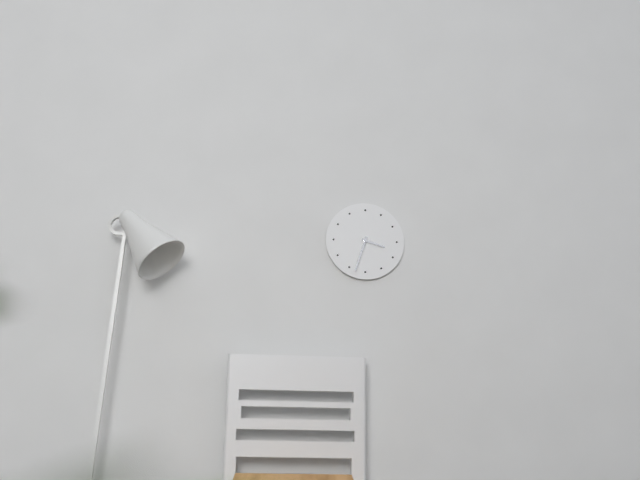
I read {"hour": 3, "minute": 33}
